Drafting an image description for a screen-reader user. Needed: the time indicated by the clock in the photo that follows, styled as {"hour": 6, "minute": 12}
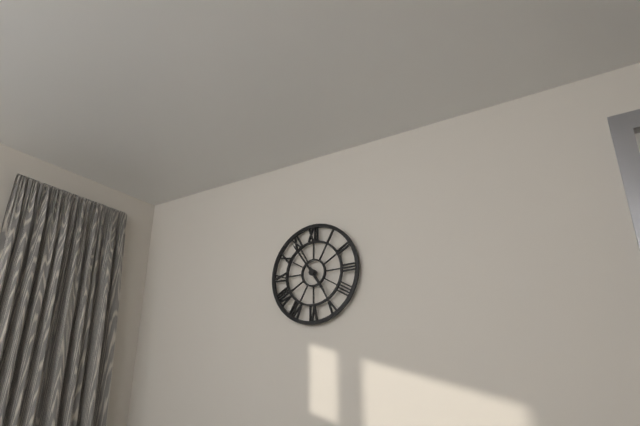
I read {"hour": 4, "minute": 54}
